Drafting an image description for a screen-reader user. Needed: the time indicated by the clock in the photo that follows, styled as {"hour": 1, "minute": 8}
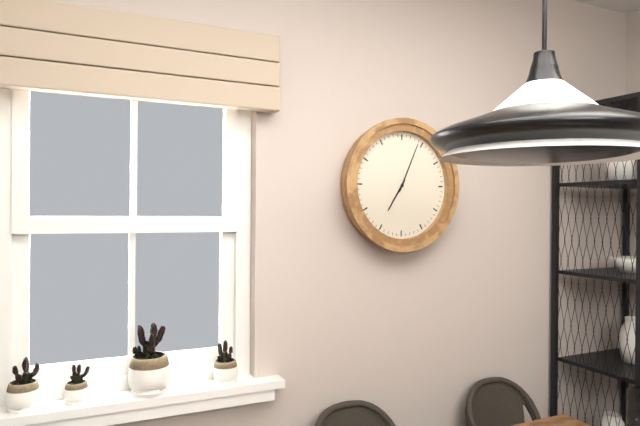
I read {"hour": 7, "minute": 4}
